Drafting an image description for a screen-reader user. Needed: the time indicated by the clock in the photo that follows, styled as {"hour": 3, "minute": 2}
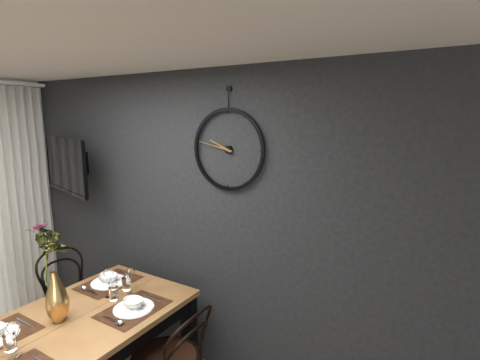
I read {"hour": 9, "minute": 47}
